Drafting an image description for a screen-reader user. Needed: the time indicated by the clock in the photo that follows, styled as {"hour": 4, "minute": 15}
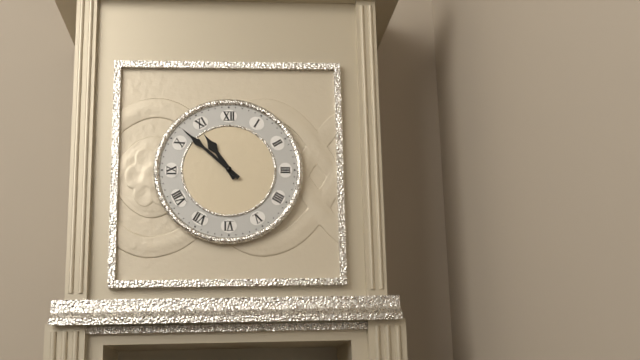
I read {"hour": 10, "minute": 52}
